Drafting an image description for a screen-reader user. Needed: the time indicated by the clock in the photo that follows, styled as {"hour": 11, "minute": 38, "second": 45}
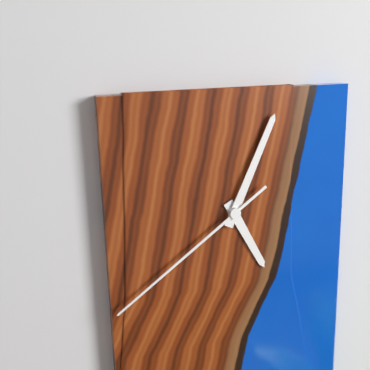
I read {"hour": 5, "minute": 4, "second": 39}
